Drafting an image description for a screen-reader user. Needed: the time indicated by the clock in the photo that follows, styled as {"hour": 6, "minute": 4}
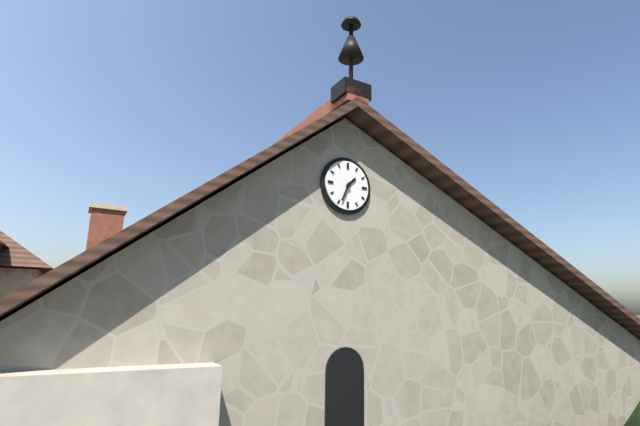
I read {"hour": 1, "minute": 34}
